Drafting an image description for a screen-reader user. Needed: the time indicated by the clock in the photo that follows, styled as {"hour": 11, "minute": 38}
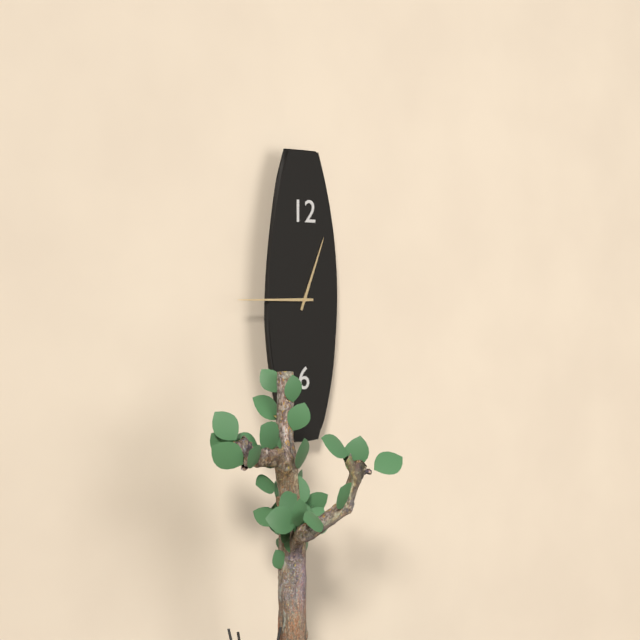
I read {"hour": 12, "minute": 45}
